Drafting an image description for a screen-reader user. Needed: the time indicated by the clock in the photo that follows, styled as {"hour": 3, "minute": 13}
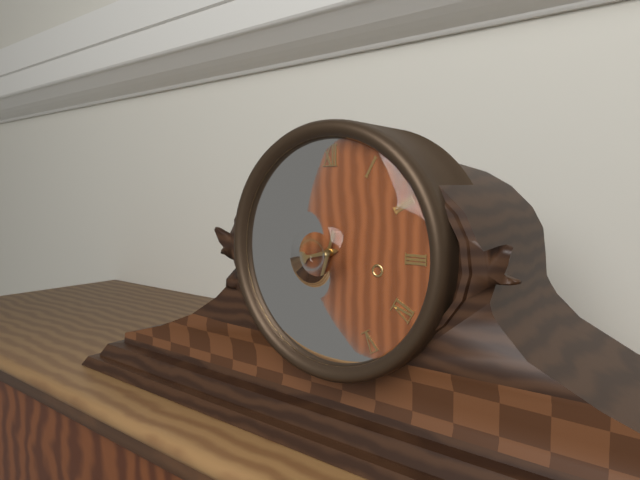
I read {"hour": 8, "minute": 33}
